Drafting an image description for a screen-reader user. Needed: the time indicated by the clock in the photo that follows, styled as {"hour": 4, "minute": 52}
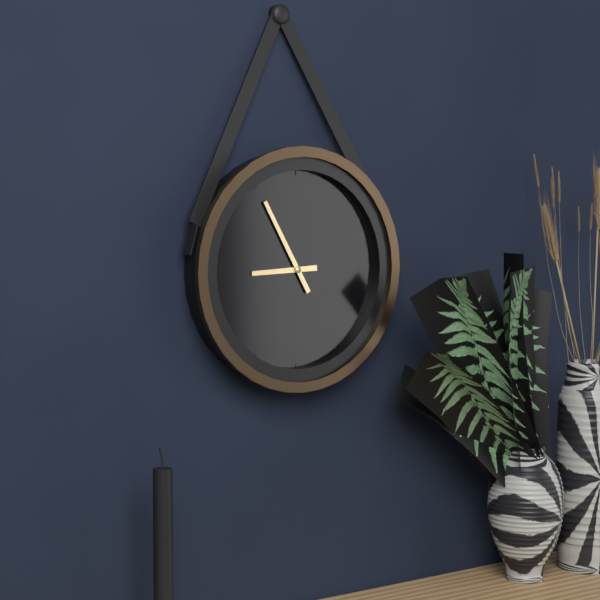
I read {"hour": 8, "minute": 55}
